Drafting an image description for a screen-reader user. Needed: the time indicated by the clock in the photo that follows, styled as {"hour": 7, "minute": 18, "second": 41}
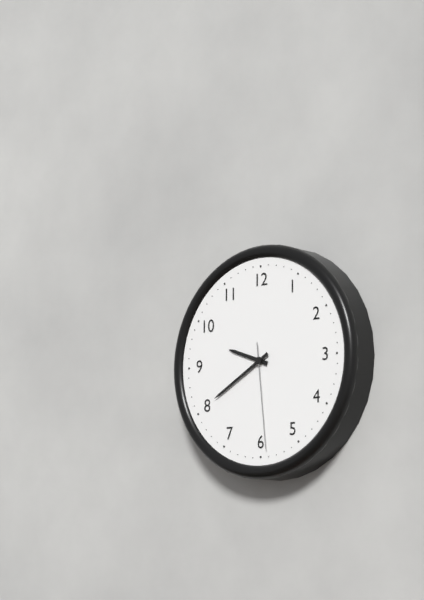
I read {"hour": 9, "minute": 40, "second": 29}
